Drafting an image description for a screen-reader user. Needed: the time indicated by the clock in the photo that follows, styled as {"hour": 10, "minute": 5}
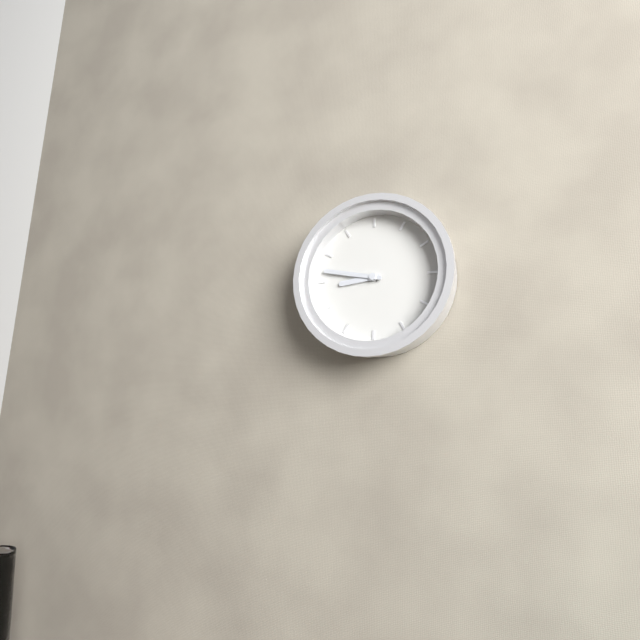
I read {"hour": 8, "minute": 47}
